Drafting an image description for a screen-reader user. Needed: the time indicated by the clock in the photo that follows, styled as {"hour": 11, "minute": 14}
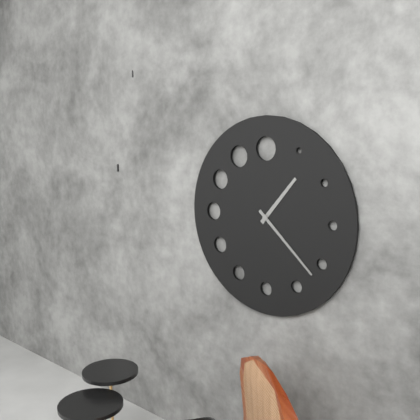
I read {"hour": 1, "minute": 22}
